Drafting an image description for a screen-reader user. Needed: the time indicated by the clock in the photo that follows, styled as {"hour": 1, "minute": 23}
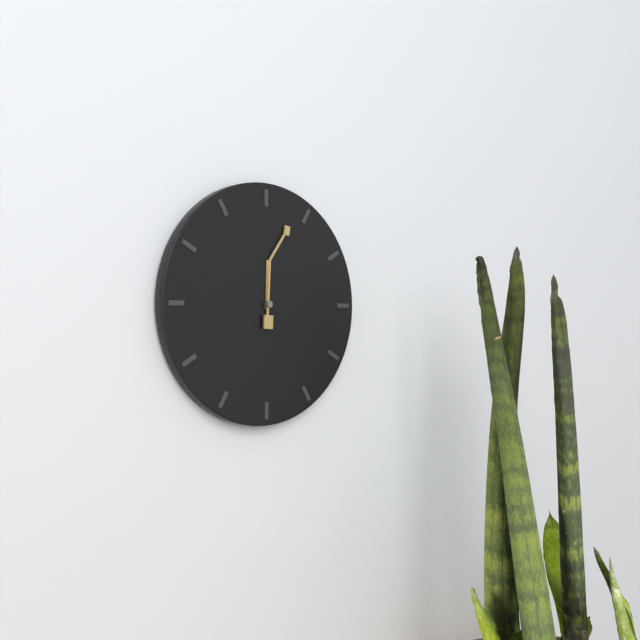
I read {"hour": 12, "minute": 3}
